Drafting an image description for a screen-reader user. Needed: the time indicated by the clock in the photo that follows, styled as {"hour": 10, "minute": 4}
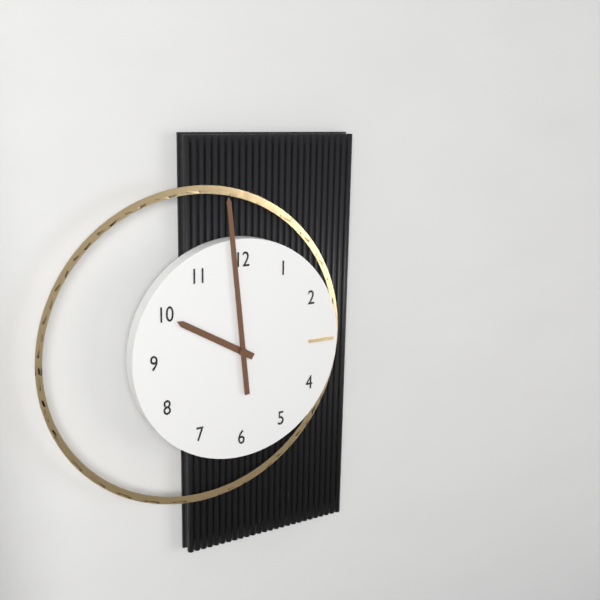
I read {"hour": 9, "minute": 59}
